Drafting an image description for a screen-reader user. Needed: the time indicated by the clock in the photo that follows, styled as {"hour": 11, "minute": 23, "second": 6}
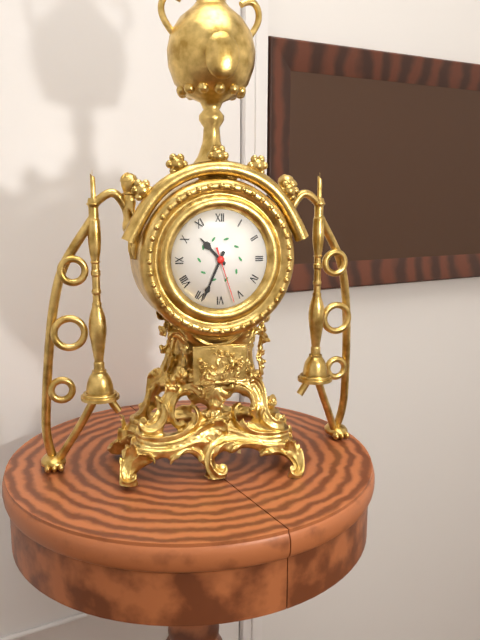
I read {"hour": 10, "minute": 34, "second": 27}
